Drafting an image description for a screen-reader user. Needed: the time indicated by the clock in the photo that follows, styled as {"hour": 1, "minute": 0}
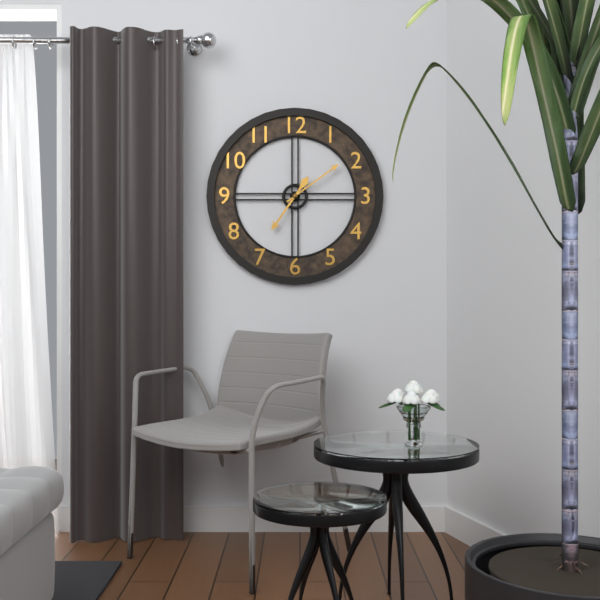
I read {"hour": 7, "minute": 9}
